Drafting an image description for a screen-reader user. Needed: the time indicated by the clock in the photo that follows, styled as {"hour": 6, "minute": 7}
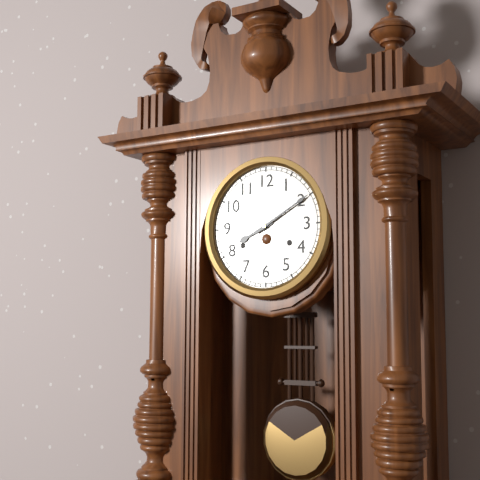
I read {"hour": 8, "minute": 10}
